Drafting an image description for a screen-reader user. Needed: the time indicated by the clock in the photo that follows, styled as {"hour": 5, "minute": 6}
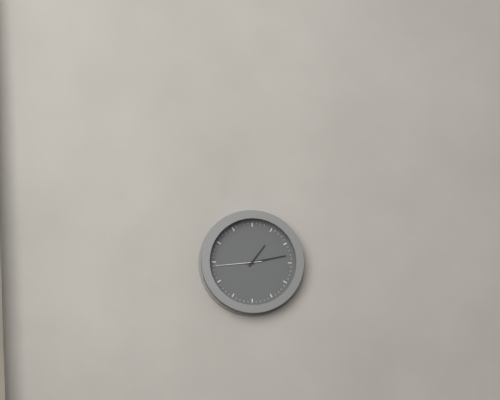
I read {"hour": 1, "minute": 13}
